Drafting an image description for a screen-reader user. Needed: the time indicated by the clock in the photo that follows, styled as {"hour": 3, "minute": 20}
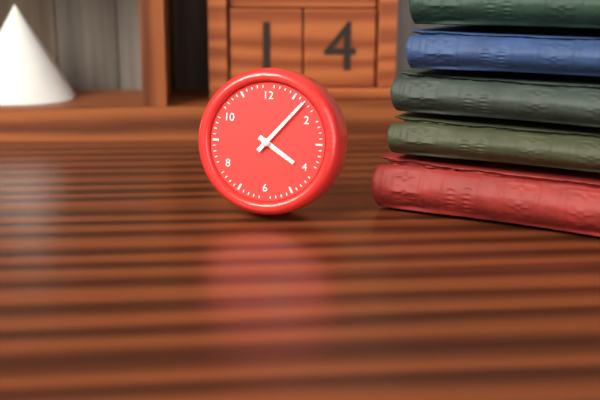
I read {"hour": 4, "minute": 7}
